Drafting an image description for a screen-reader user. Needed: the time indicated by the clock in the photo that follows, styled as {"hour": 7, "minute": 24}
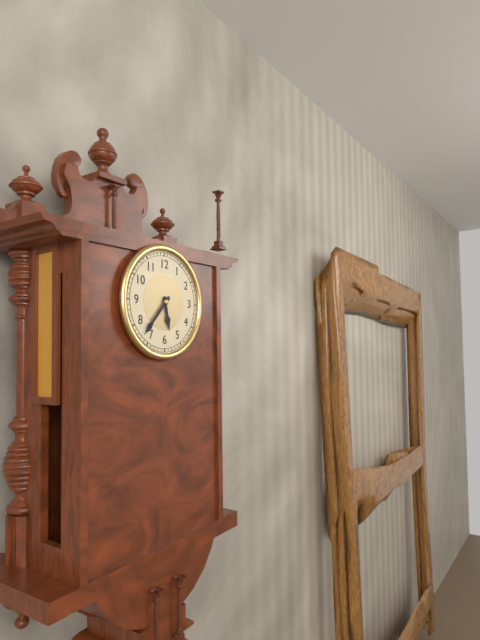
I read {"hour": 5, "minute": 37}
